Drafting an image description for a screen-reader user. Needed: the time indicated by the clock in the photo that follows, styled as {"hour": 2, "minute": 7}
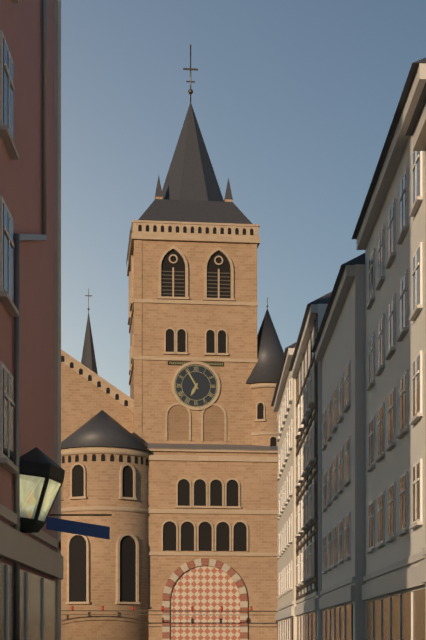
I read {"hour": 6, "minute": 55}
